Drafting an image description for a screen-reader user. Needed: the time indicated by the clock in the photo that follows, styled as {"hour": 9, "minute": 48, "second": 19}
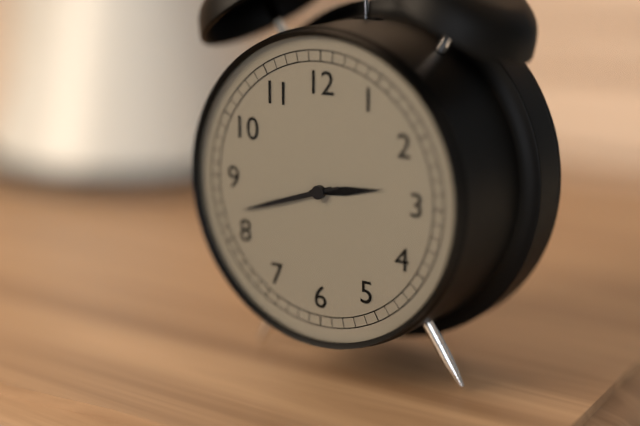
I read {"hour": 2, "minute": 42, "second": 42}
